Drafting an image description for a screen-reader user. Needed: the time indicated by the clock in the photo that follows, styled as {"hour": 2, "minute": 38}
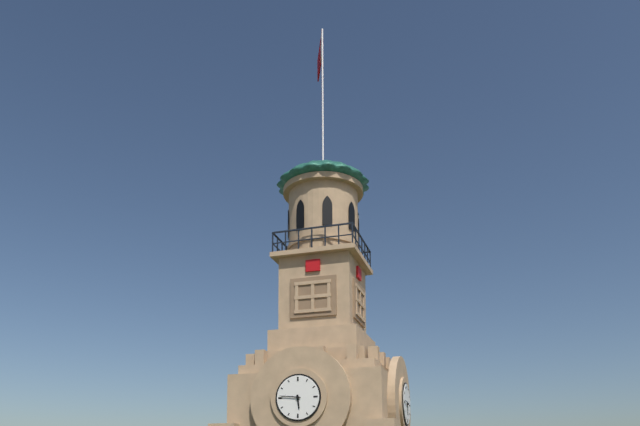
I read {"hour": 5, "minute": 46}
